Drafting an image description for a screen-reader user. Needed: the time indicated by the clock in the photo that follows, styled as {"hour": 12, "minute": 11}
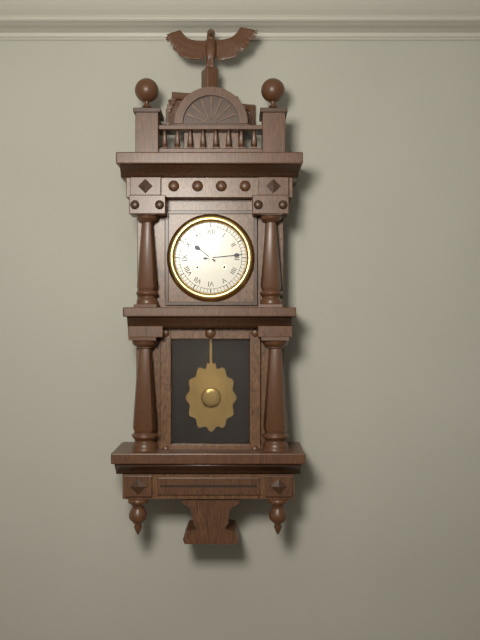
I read {"hour": 10, "minute": 14}
